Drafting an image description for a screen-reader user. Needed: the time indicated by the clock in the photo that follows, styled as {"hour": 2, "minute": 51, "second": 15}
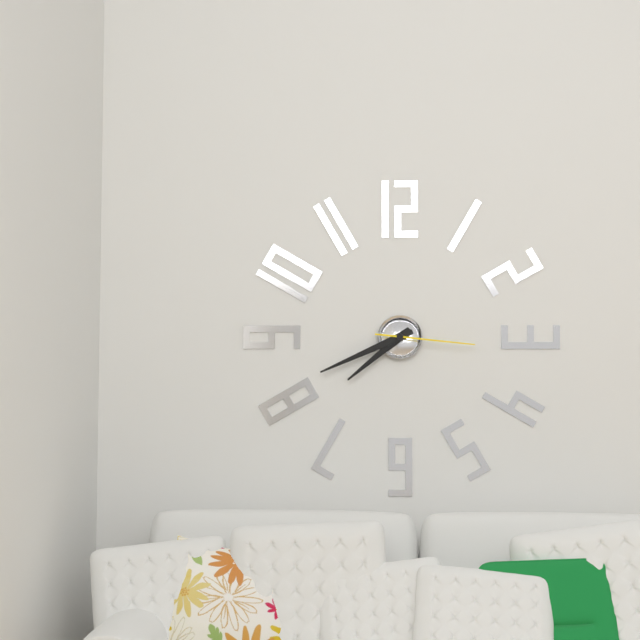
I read {"hour": 7, "minute": 41, "second": 16}
